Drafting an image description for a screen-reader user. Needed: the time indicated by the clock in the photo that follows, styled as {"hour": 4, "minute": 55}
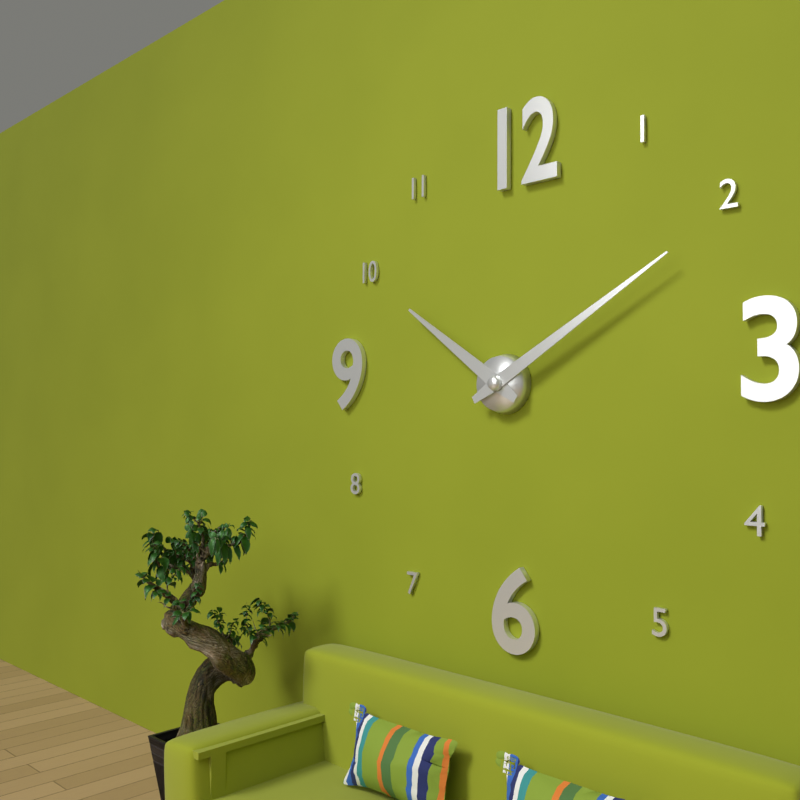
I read {"hour": 10, "minute": 10}
